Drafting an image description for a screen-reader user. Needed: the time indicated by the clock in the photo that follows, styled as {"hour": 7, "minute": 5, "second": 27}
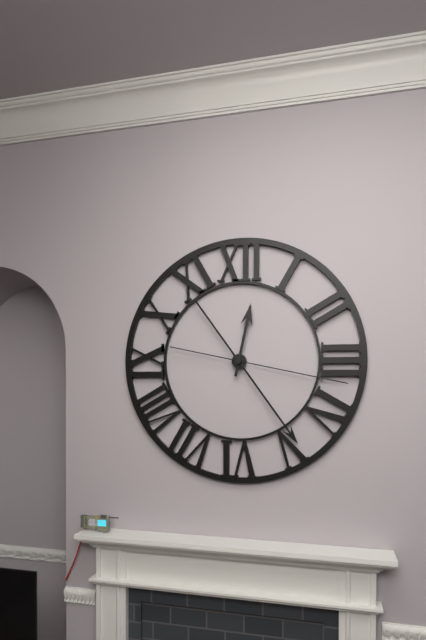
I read {"hour": 12, "minute": 24, "second": 17}
